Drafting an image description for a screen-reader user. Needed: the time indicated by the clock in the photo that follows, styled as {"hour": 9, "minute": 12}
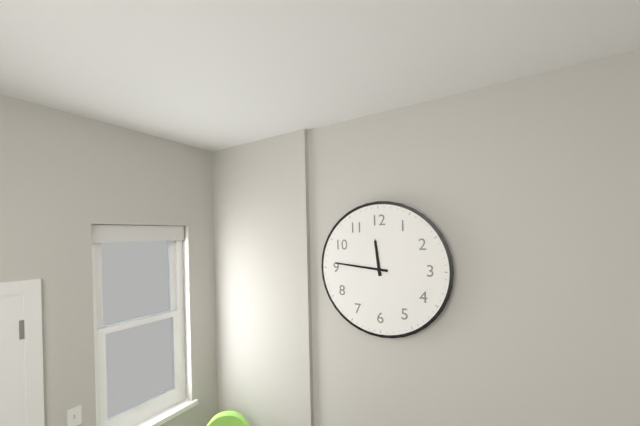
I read {"hour": 11, "minute": 46}
